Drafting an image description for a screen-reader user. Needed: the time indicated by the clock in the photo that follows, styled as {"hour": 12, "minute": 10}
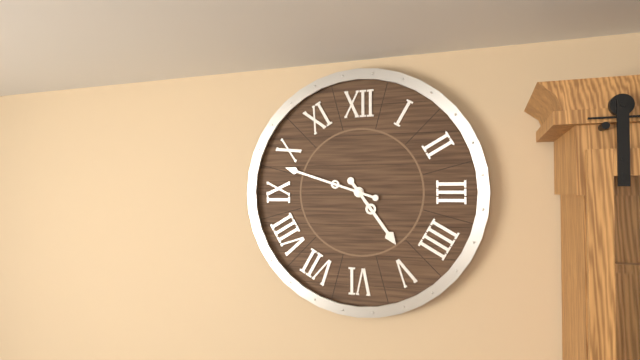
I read {"hour": 4, "minute": 48}
